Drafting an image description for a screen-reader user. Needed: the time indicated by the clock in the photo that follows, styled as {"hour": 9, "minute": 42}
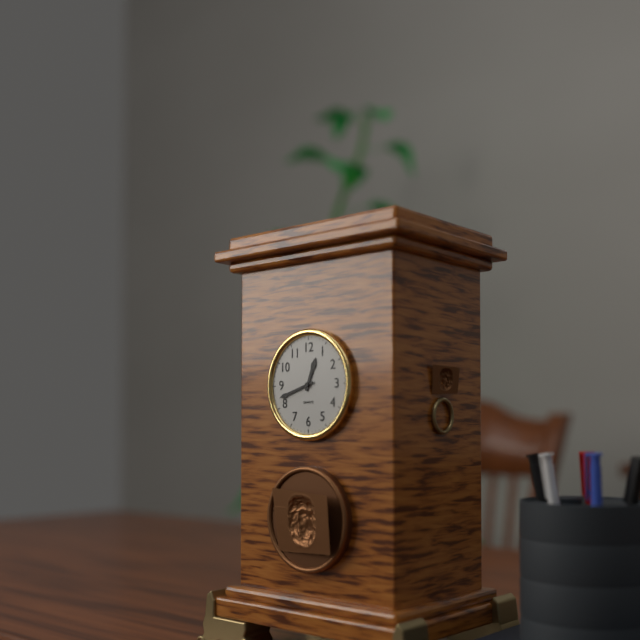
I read {"hour": 12, "minute": 42}
